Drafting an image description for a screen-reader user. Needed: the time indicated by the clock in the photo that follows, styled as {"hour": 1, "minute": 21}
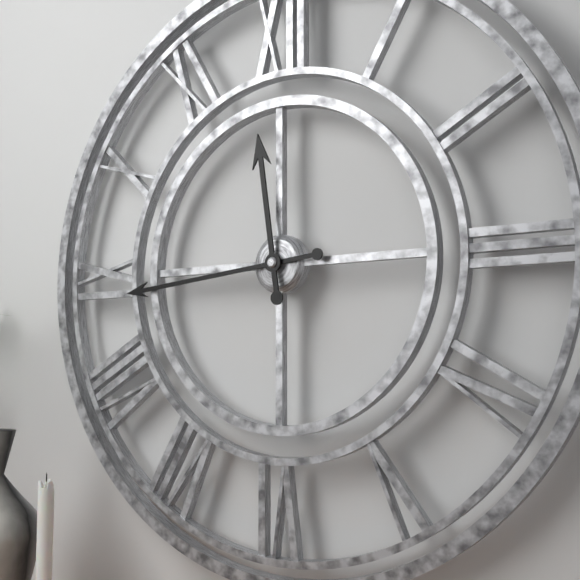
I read {"hour": 11, "minute": 44}
